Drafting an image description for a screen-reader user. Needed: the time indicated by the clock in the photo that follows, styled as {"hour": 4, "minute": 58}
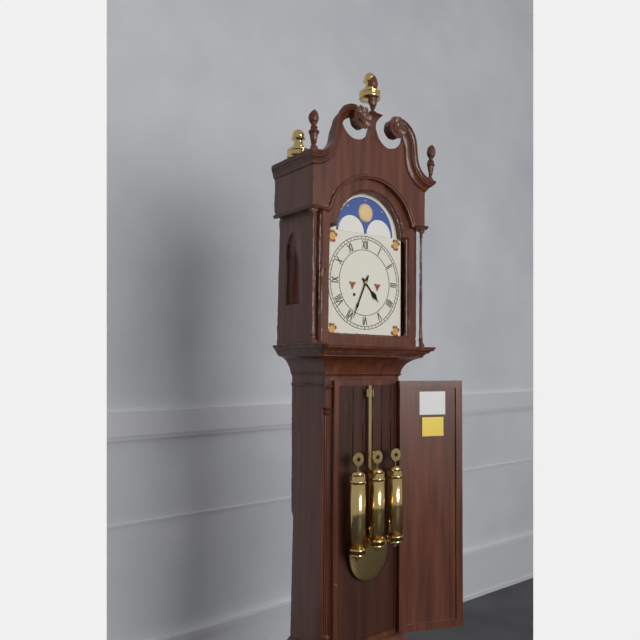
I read {"hour": 4, "minute": 34}
